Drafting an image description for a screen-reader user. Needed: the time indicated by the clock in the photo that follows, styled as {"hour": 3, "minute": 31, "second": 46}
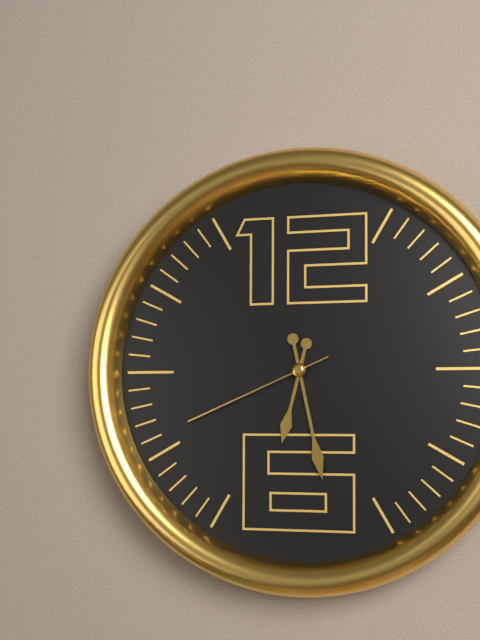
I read {"hour": 6, "minute": 28, "second": 41}
